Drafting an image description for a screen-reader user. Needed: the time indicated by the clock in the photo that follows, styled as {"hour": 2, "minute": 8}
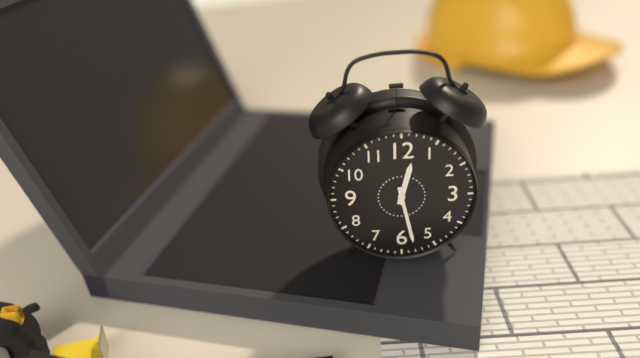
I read {"hour": 12, "minute": 28}
